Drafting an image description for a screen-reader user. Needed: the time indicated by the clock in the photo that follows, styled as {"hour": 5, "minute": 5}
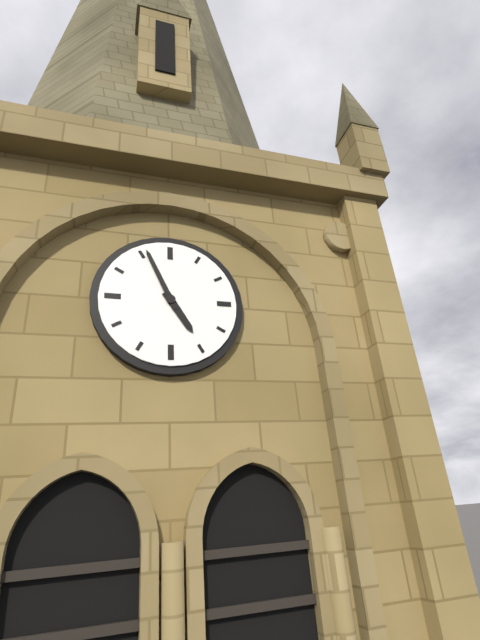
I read {"hour": 4, "minute": 56}
